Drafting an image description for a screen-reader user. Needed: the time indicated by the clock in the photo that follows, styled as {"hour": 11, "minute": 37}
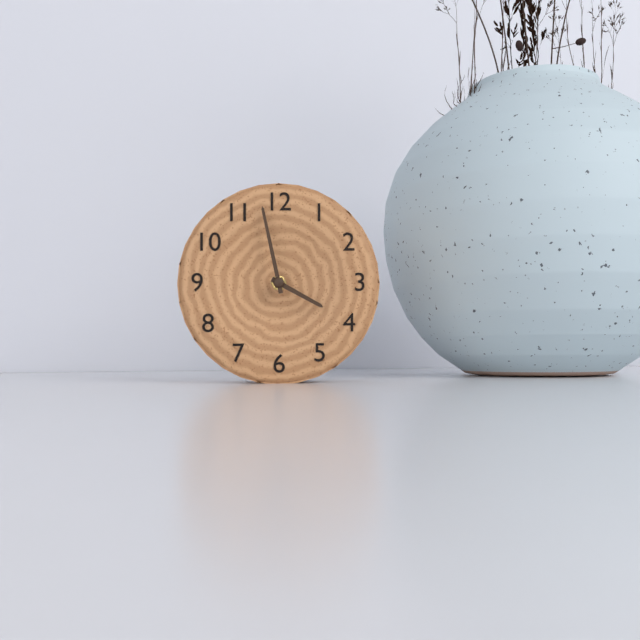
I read {"hour": 3, "minute": 58}
